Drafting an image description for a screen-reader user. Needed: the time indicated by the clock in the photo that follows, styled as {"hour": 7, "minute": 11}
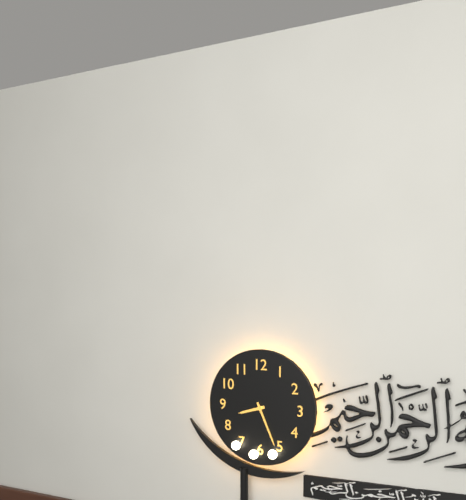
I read {"hour": 8, "minute": 26}
